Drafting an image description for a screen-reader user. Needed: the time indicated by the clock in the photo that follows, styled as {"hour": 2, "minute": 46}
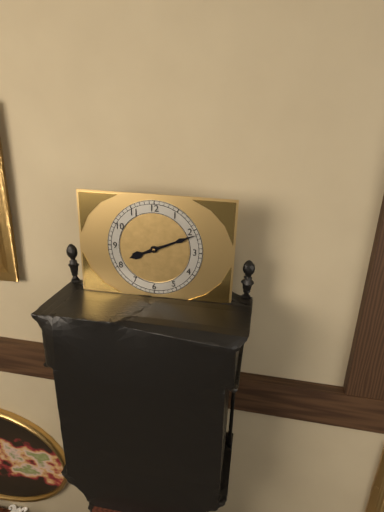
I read {"hour": 8, "minute": 11}
